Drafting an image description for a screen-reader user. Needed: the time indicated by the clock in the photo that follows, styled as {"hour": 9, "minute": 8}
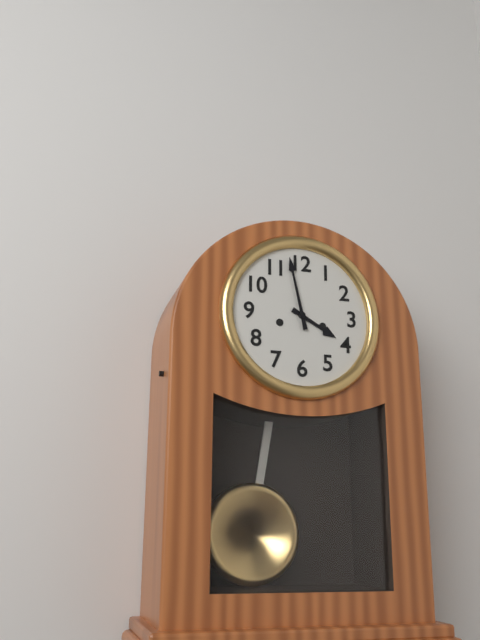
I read {"hour": 3, "minute": 58}
